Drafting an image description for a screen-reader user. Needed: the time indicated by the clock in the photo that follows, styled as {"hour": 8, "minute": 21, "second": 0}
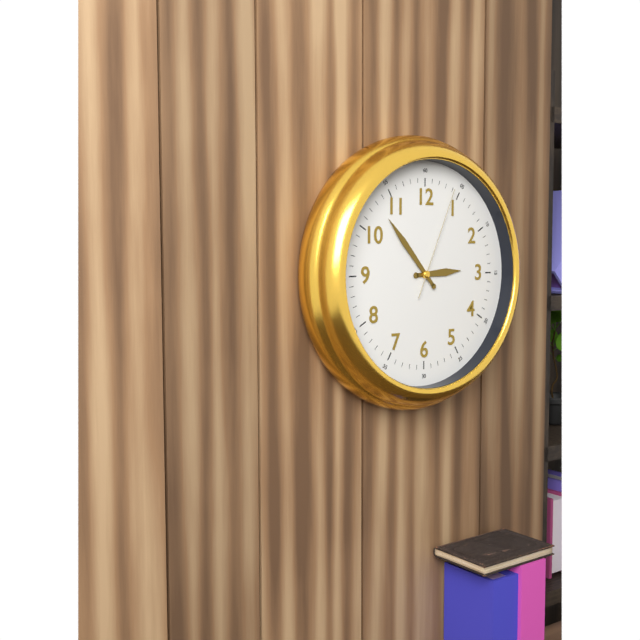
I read {"hour": 2, "minute": 53, "second": 4}
